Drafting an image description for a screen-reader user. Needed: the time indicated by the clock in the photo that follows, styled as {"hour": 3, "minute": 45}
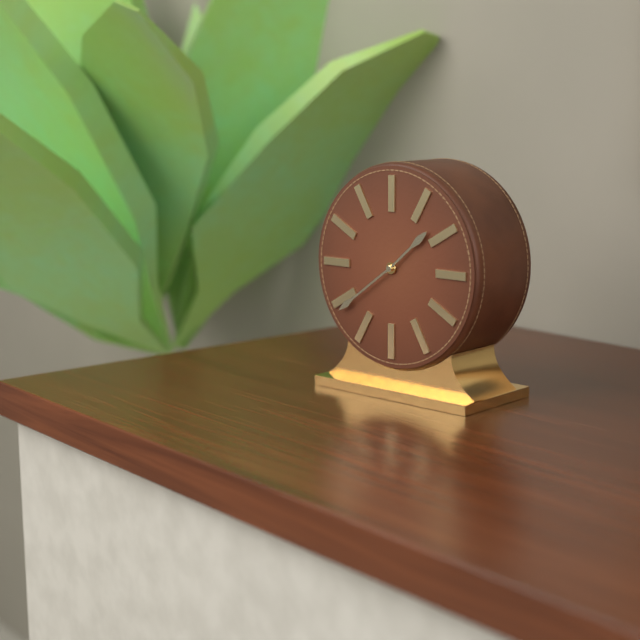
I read {"hour": 1, "minute": 39}
